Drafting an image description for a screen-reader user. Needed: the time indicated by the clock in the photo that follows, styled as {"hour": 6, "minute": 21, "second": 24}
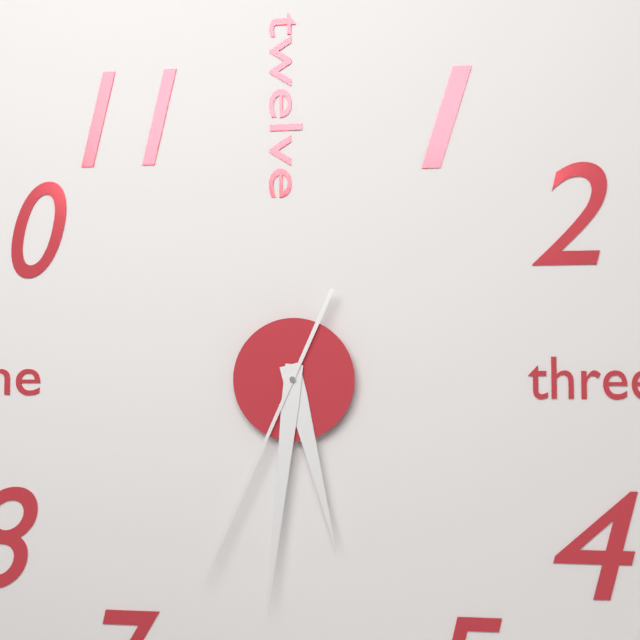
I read {"hour": 5, "minute": 31, "second": 34}
